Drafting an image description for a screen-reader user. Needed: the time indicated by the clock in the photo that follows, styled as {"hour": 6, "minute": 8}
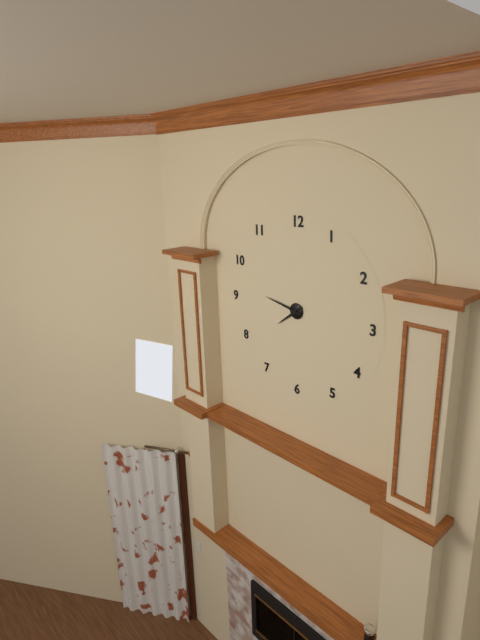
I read {"hour": 7, "minute": 47}
